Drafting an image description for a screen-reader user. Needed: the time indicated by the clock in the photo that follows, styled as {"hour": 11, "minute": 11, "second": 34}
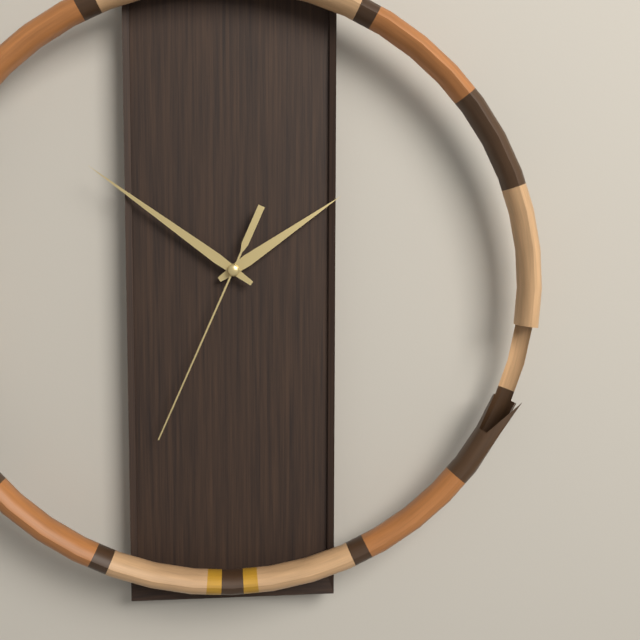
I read {"hour": 1, "minute": 51, "second": 34}
